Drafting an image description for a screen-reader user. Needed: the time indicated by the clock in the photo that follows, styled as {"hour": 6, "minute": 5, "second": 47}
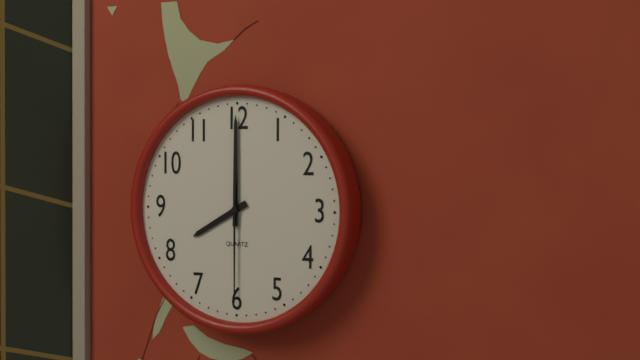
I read {"hour": 8, "minute": 0, "second": 30}
